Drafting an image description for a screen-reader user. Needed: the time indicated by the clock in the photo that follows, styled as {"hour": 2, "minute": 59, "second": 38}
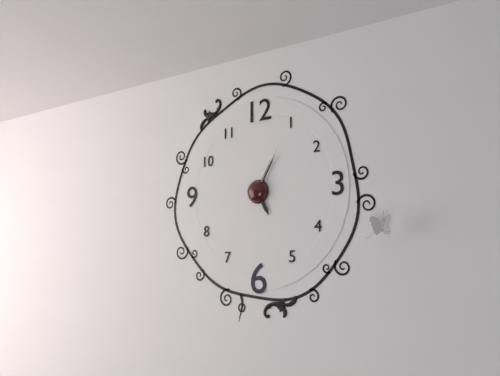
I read {"hour": 5, "minute": 5, "second": 5}
